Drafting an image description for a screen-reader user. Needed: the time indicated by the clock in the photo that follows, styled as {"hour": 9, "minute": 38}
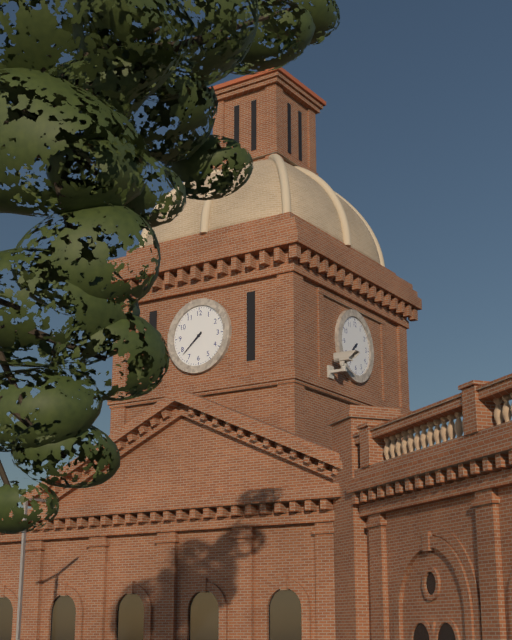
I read {"hour": 7, "minute": 38}
